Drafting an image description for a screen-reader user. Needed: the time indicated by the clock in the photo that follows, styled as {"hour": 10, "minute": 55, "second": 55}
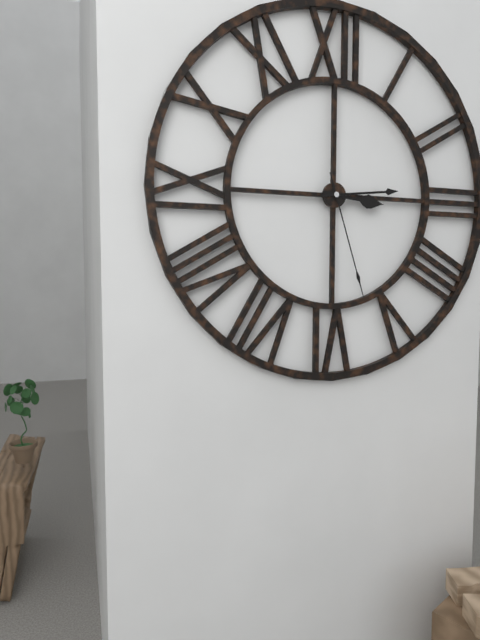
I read {"hour": 3, "minute": 14, "second": 27}
